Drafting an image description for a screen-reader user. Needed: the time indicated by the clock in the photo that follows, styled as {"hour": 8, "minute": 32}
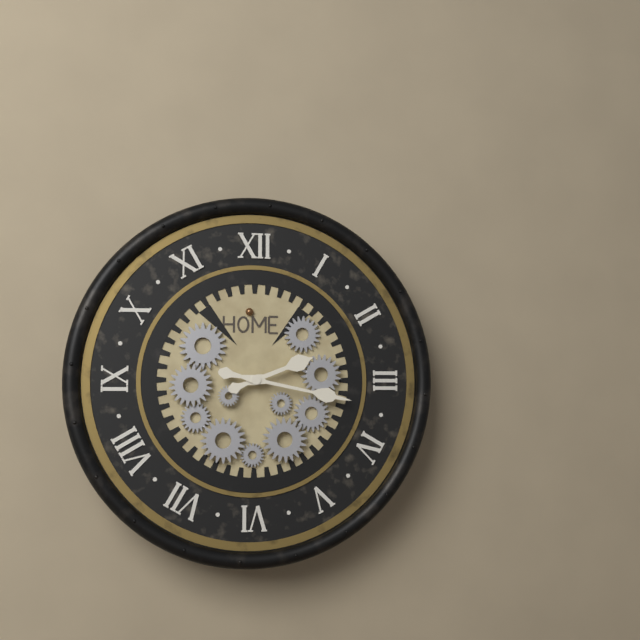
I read {"hour": 2, "minute": 17}
